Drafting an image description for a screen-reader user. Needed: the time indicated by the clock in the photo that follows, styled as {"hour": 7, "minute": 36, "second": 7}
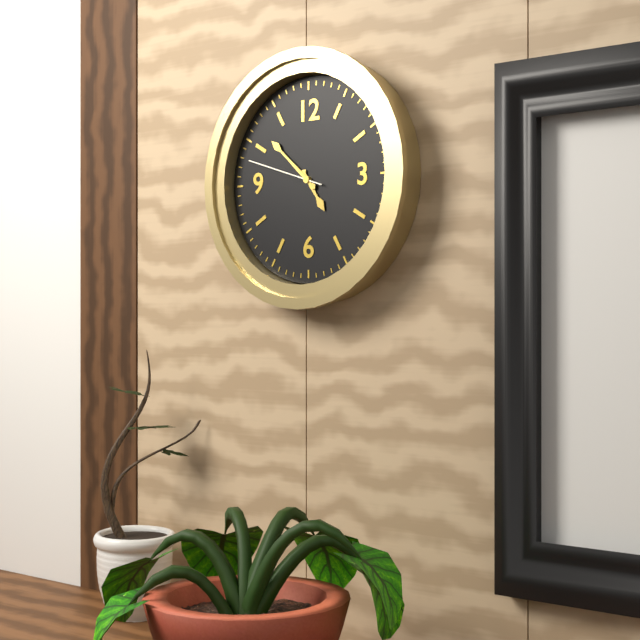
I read {"hour": 4, "minute": 52, "second": 48}
